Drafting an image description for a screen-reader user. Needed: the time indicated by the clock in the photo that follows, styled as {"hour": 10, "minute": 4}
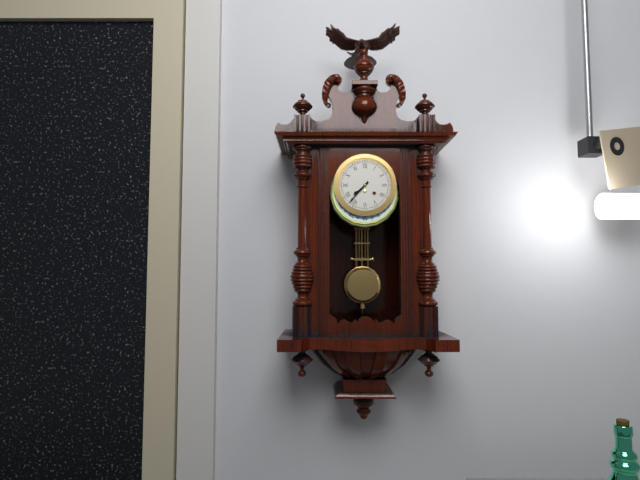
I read {"hour": 7, "minute": 37}
